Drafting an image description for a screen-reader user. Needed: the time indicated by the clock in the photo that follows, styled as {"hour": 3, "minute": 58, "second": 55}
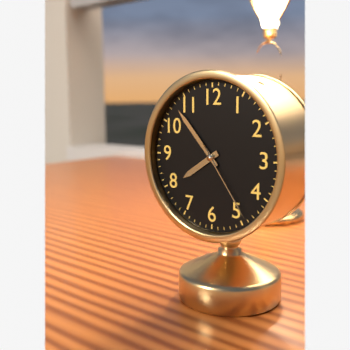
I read {"hour": 7, "minute": 53, "second": 24}
